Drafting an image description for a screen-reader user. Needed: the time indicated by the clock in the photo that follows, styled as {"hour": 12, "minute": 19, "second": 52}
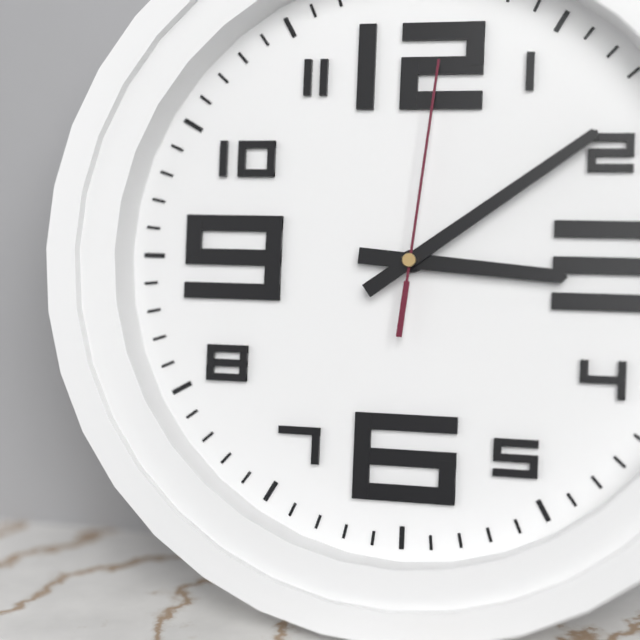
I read {"hour": 3, "minute": 9, "second": 1}
